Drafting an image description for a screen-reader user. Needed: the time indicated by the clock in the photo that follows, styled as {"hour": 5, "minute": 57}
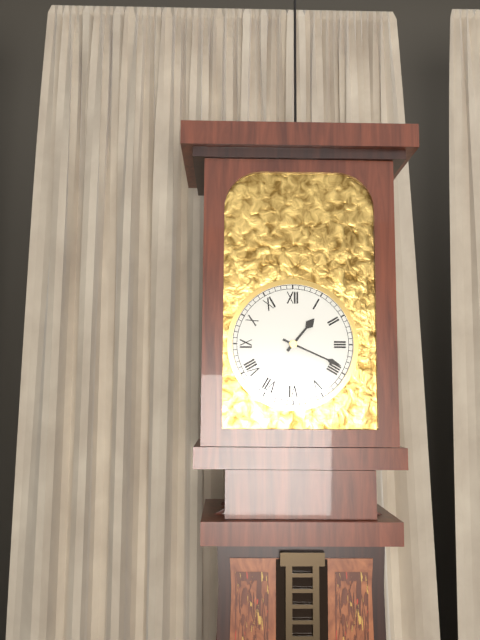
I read {"hour": 1, "minute": 19}
